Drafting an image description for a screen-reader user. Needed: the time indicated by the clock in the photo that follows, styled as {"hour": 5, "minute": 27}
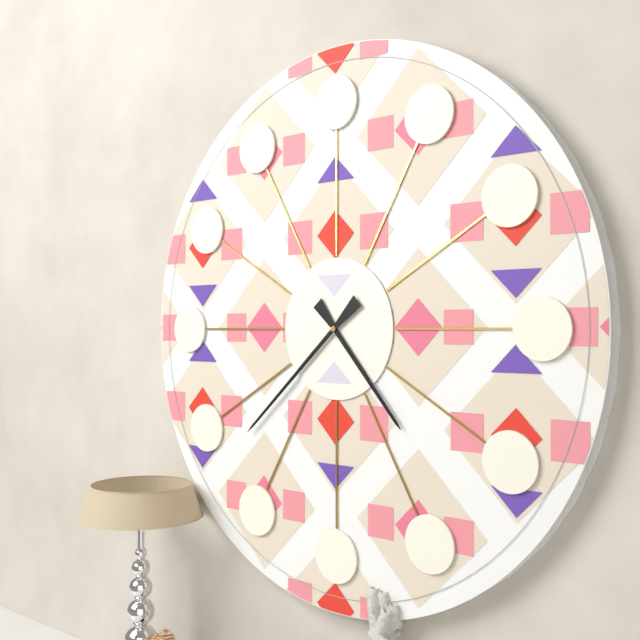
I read {"hour": 4, "minute": 38}
